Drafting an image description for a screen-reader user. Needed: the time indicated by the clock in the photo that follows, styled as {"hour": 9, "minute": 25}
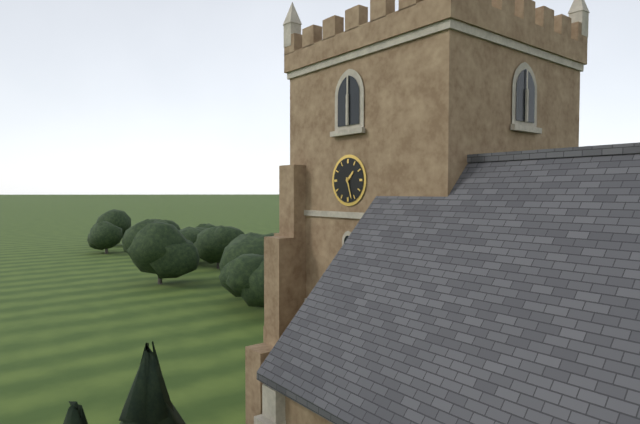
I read {"hour": 1, "minute": 27}
